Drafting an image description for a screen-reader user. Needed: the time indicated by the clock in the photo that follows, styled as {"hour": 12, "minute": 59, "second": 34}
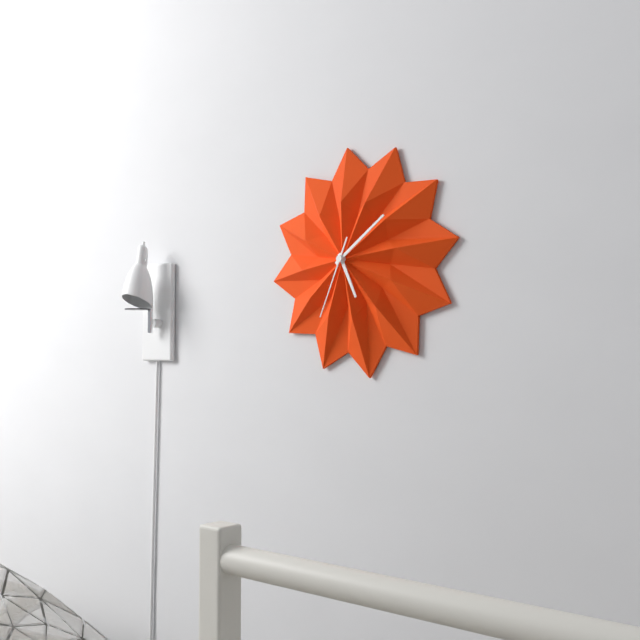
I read {"hour": 5, "minute": 9, "second": 34}
